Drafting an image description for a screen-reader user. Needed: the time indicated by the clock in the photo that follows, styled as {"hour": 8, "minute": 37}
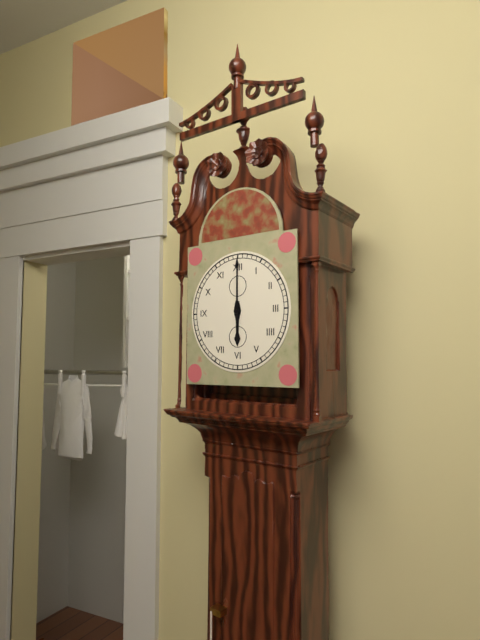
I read {"hour": 6, "minute": 0}
